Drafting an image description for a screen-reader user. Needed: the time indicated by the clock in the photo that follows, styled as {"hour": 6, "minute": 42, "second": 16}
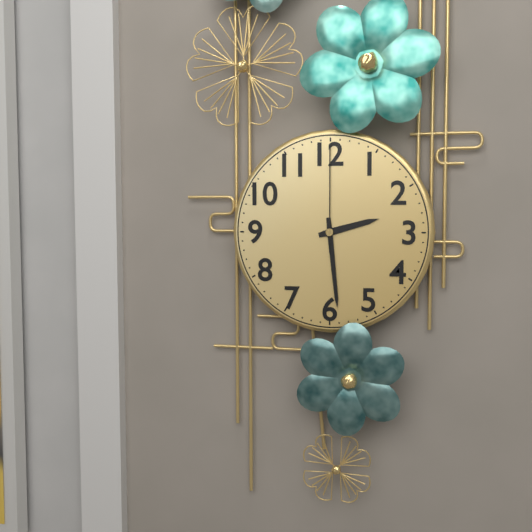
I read {"hour": 2, "minute": 29, "second": 0}
